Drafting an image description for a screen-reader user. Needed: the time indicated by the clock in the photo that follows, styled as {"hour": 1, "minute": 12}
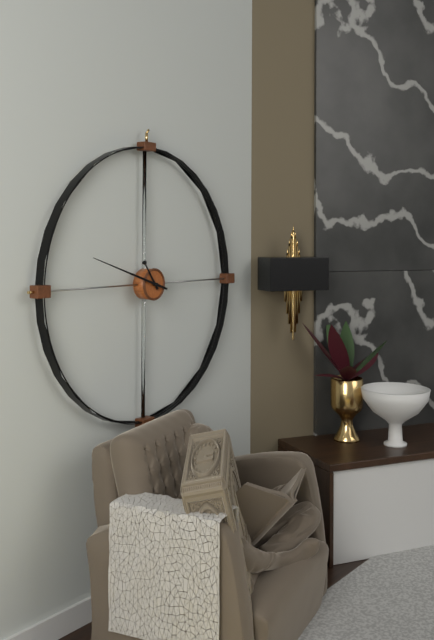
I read {"hour": 10, "minute": 48}
